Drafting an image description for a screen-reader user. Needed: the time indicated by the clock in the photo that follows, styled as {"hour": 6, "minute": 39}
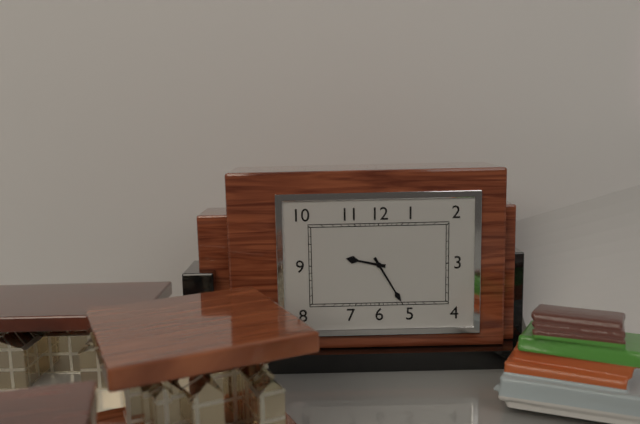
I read {"hour": 9, "minute": 25}
